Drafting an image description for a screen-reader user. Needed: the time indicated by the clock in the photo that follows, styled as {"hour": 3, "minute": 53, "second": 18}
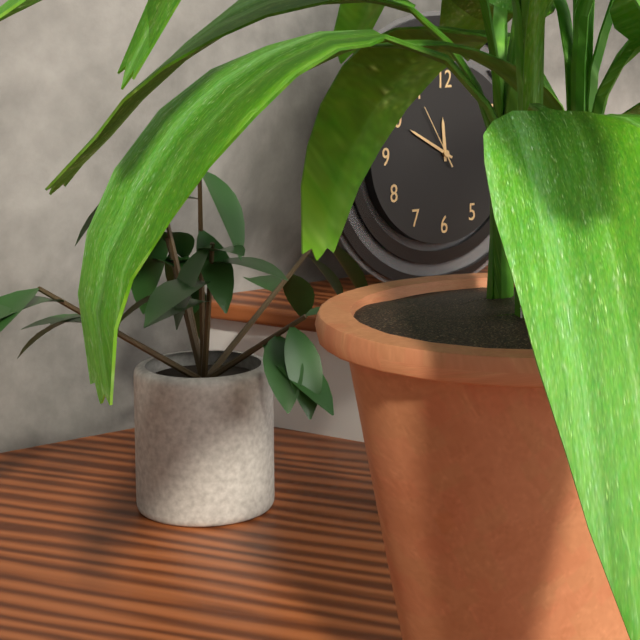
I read {"hour": 11, "minute": 50, "second": 55}
